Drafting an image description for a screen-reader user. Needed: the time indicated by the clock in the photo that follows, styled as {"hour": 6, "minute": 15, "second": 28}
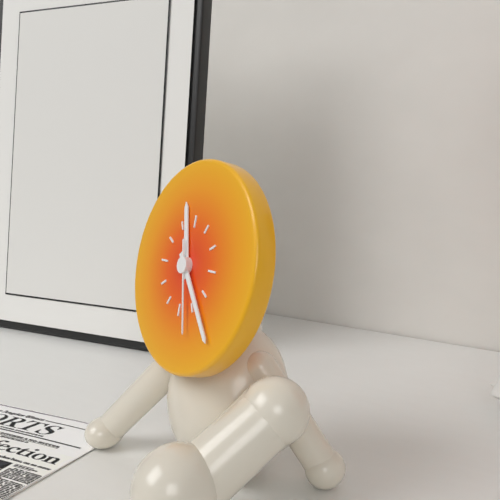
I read {"hour": 11, "minute": 23, "second": 27}
